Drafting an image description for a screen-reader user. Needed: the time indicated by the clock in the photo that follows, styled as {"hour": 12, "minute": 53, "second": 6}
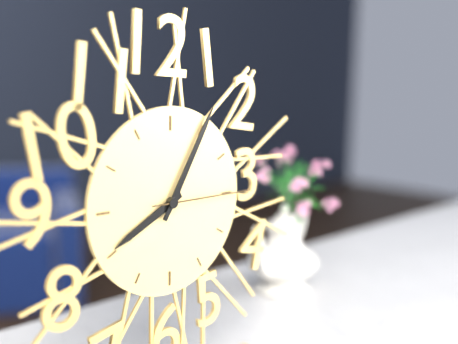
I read {"hour": 8, "minute": 5, "second": 15}
